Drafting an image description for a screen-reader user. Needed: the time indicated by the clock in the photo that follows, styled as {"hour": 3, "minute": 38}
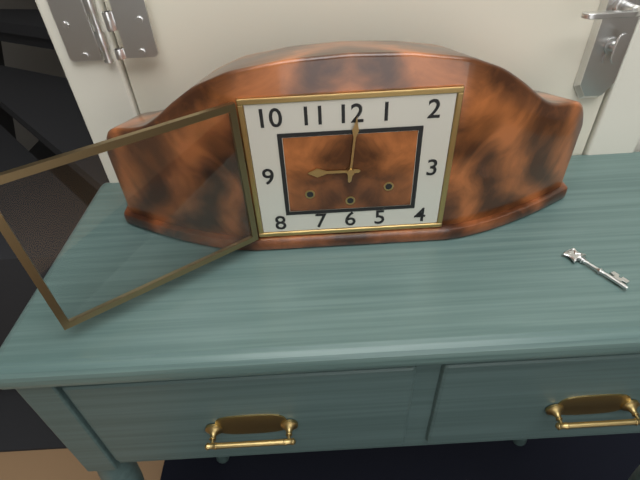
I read {"hour": 9, "minute": 1}
